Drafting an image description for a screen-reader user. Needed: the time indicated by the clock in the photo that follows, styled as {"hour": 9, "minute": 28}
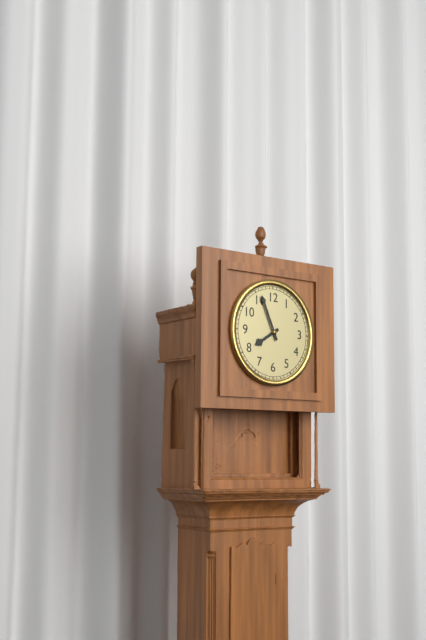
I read {"hour": 7, "minute": 56}
